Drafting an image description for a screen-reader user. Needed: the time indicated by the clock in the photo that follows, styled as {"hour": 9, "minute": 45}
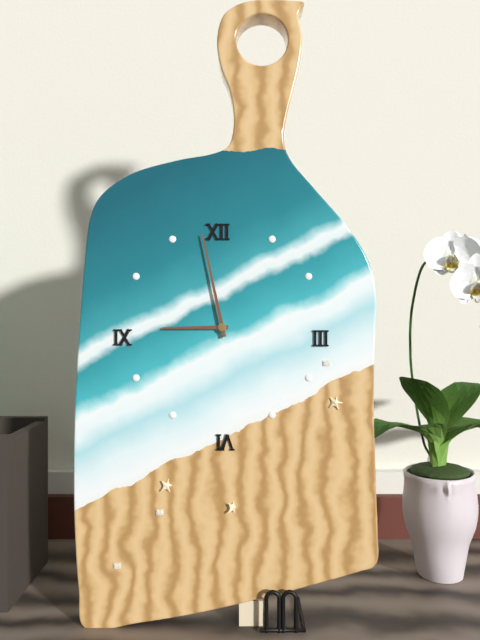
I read {"hour": 8, "minute": 58}
